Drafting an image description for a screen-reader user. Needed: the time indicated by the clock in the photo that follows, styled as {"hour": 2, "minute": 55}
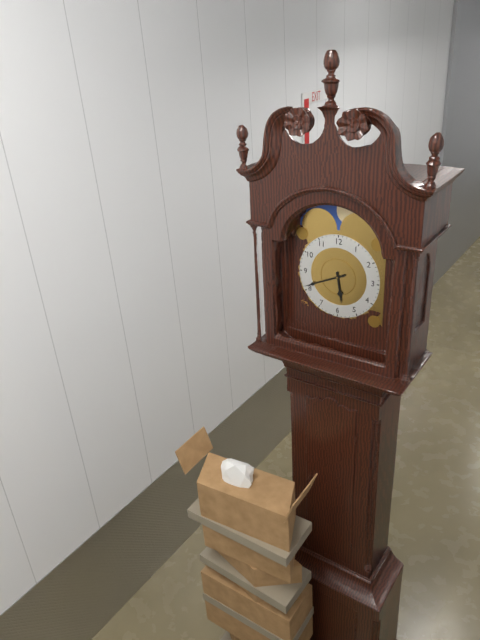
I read {"hour": 5, "minute": 41}
